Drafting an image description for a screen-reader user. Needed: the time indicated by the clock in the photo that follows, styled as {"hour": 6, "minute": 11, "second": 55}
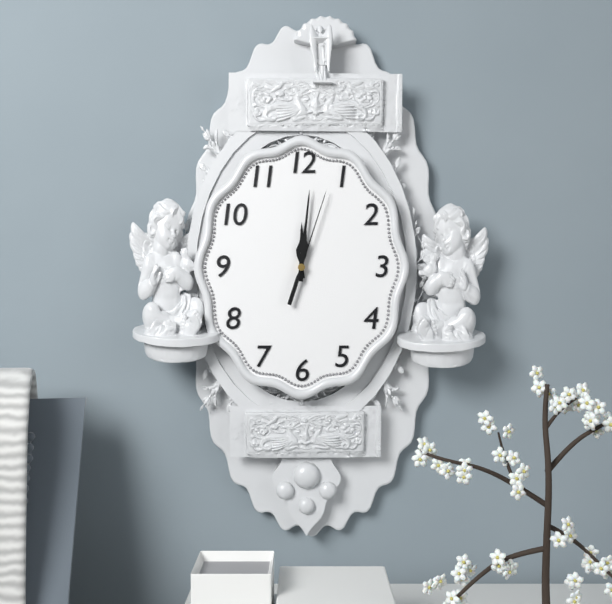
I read {"hour": 12, "minute": 1, "second": 3}
